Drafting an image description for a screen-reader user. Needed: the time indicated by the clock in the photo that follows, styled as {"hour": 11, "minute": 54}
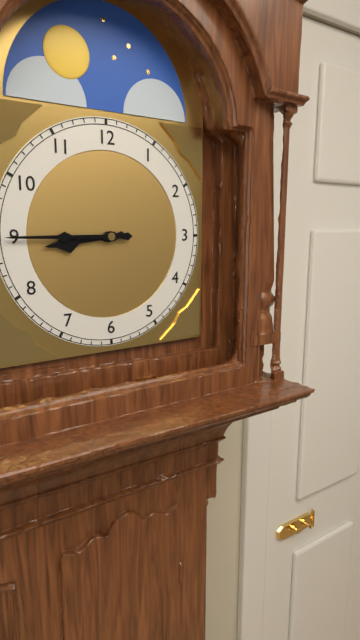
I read {"hour": 8, "minute": 45}
